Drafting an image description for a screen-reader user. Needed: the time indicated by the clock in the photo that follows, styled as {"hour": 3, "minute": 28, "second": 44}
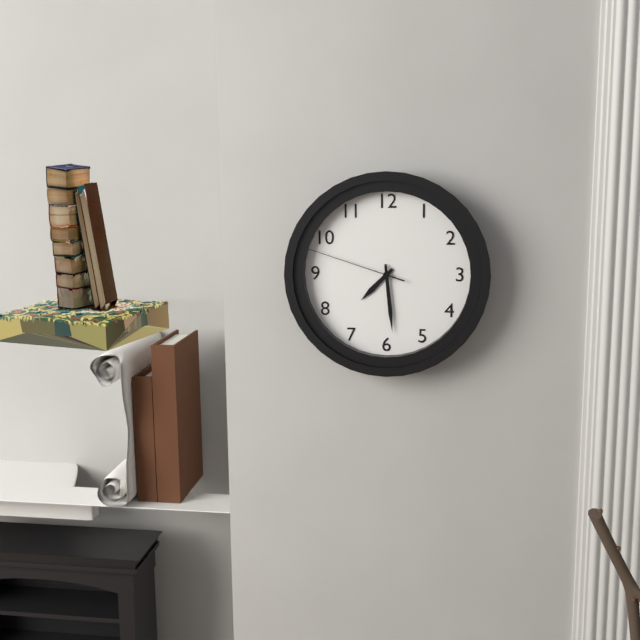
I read {"hour": 7, "minute": 29, "second": 48}
